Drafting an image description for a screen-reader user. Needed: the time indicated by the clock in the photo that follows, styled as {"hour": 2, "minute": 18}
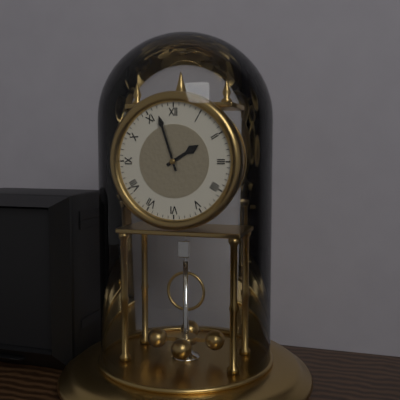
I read {"hour": 1, "minute": 57}
